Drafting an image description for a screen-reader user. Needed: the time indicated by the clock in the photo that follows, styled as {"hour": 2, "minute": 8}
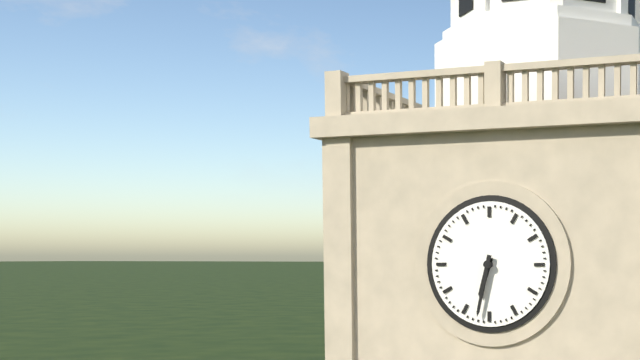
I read {"hour": 6, "minute": 32}
